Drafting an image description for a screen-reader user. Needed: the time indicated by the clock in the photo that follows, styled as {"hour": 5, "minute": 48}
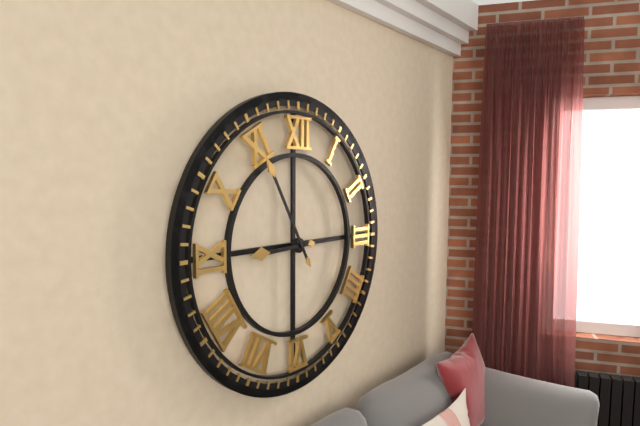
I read {"hour": 8, "minute": 55}
